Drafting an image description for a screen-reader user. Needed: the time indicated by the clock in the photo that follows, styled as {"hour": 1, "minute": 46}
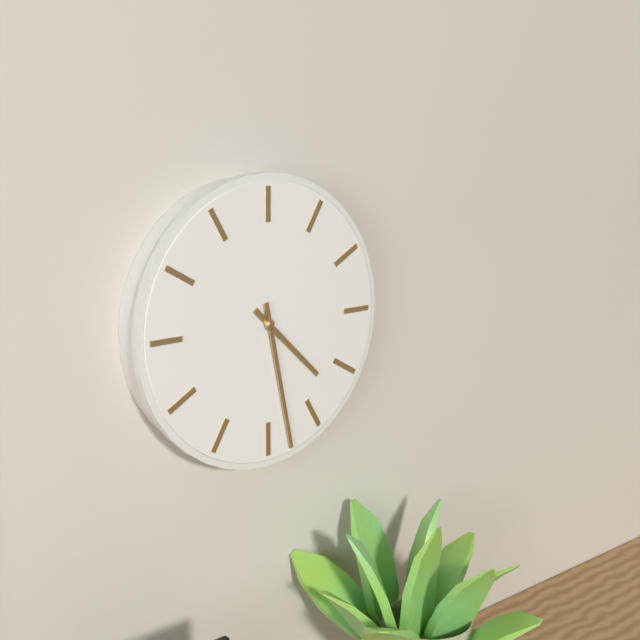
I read {"hour": 4, "minute": 28}
